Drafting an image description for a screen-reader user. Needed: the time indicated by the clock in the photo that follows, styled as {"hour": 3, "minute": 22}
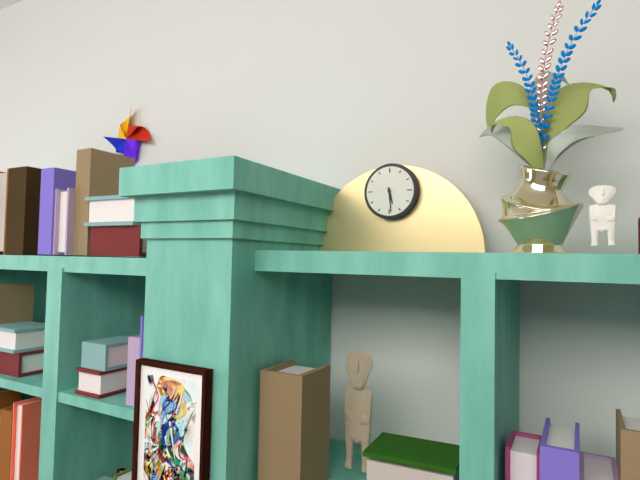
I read {"hour": 5, "minute": 29}
